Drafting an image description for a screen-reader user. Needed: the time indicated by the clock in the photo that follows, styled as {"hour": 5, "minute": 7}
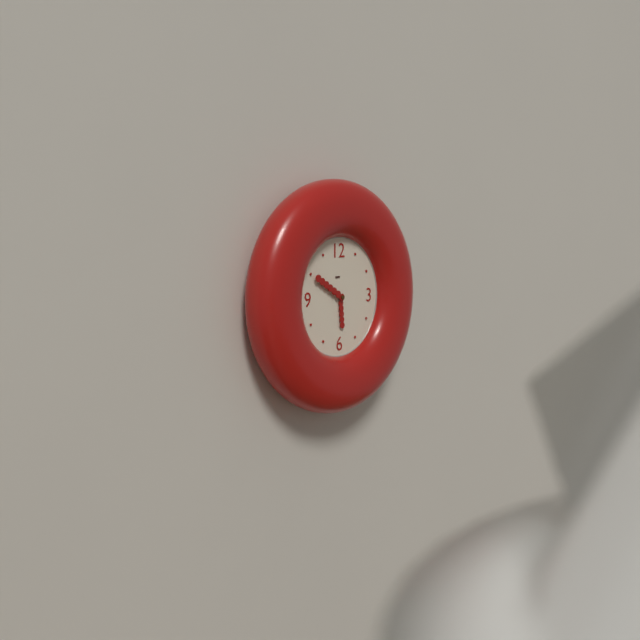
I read {"hour": 5, "minute": 50}
